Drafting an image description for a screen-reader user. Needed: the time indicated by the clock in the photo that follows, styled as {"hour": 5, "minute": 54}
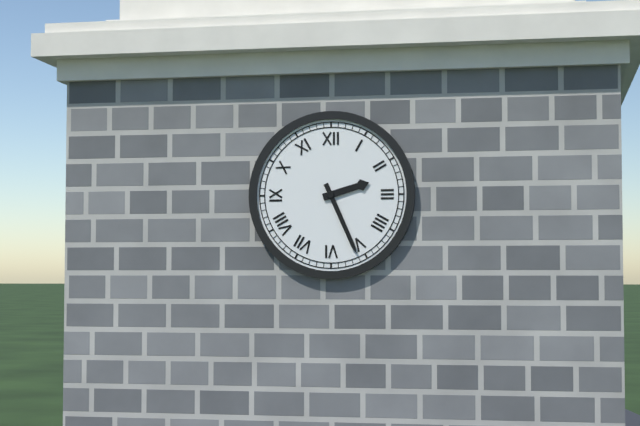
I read {"hour": 2, "minute": 26}
